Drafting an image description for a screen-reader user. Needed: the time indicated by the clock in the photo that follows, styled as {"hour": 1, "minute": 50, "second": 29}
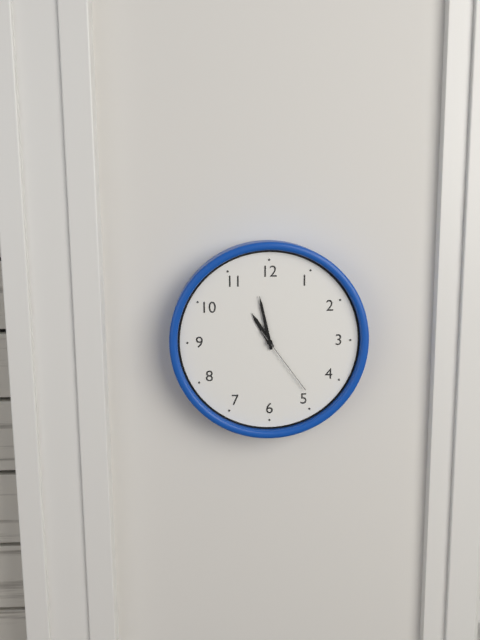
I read {"hour": 10, "minute": 58, "second": 24}
